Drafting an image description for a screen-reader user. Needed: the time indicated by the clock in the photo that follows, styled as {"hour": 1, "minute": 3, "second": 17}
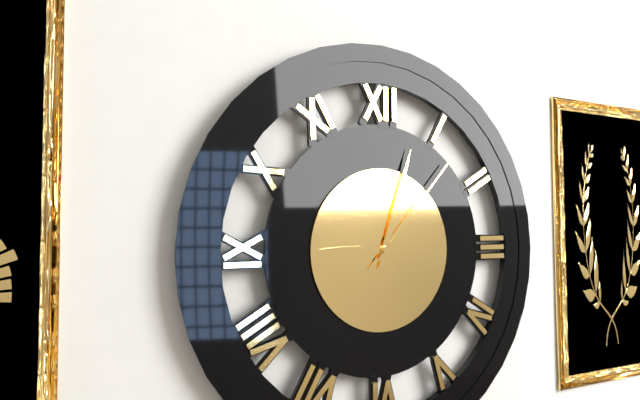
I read {"hour": 9, "minute": 3, "second": 7}
